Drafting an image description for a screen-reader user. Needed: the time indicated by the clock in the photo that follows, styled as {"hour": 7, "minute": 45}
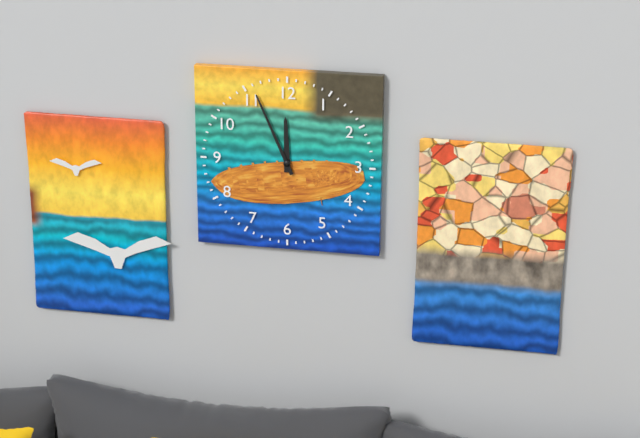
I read {"hour": 11, "minute": 56}
